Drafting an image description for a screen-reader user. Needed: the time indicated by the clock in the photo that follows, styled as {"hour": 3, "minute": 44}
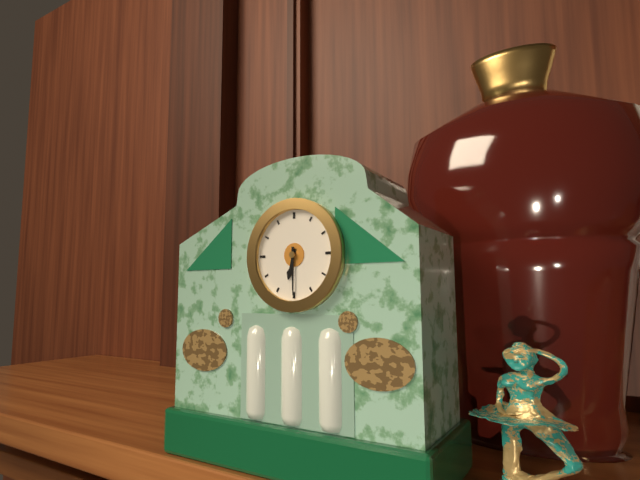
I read {"hour": 6, "minute": 30}
